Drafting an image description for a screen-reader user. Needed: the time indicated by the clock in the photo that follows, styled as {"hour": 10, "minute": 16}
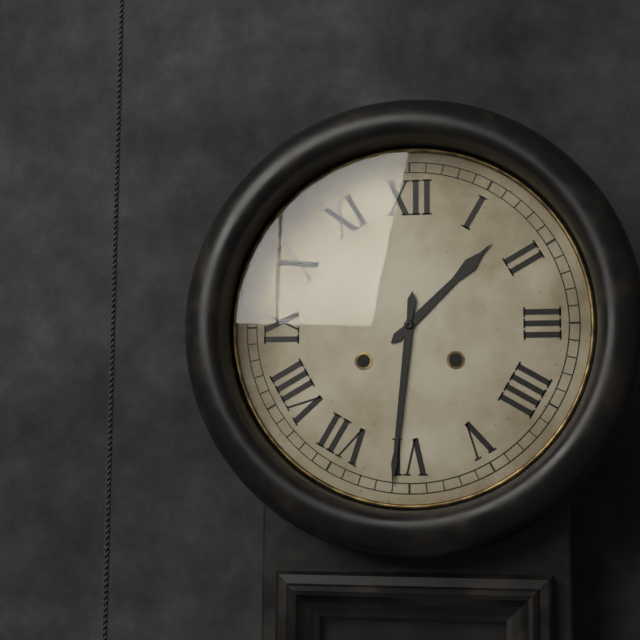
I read {"hour": 1, "minute": 31}
